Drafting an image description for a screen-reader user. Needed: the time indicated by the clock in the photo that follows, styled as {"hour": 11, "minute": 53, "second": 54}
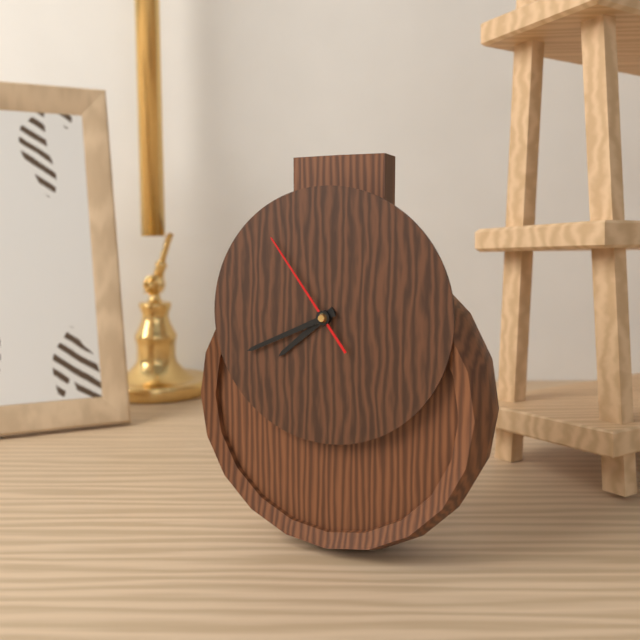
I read {"hour": 7, "minute": 41, "second": 54}
